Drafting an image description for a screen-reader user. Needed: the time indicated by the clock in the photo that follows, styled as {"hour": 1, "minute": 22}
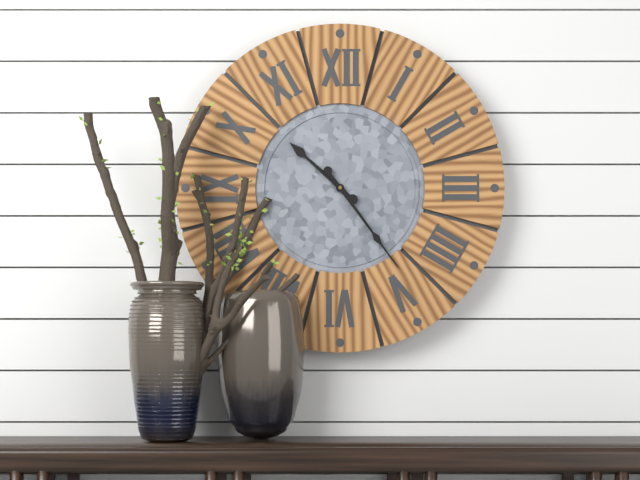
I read {"hour": 10, "minute": 24}
